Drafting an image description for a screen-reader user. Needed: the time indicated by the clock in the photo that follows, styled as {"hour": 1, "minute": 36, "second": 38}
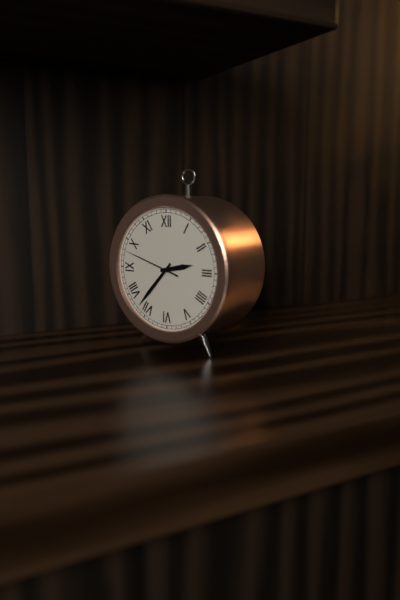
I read {"hour": 2, "minute": 37, "second": 48}
